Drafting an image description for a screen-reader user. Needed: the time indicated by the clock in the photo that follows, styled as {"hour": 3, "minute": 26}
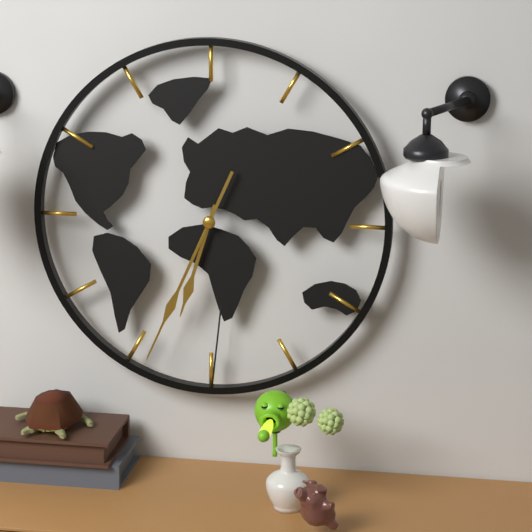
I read {"hour": 6, "minute": 34}
